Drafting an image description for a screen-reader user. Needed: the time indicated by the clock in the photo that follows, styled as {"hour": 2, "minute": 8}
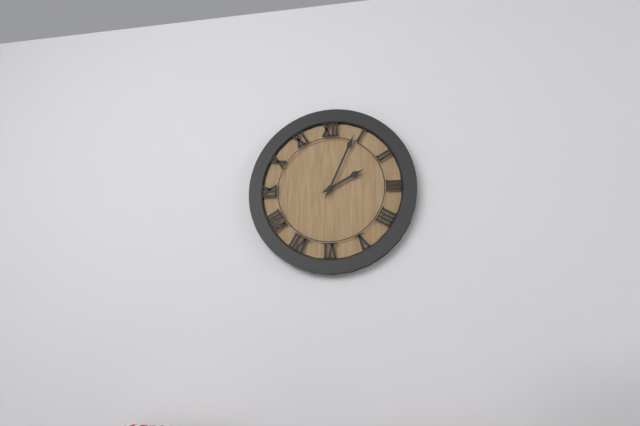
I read {"hour": 2, "minute": 4}
